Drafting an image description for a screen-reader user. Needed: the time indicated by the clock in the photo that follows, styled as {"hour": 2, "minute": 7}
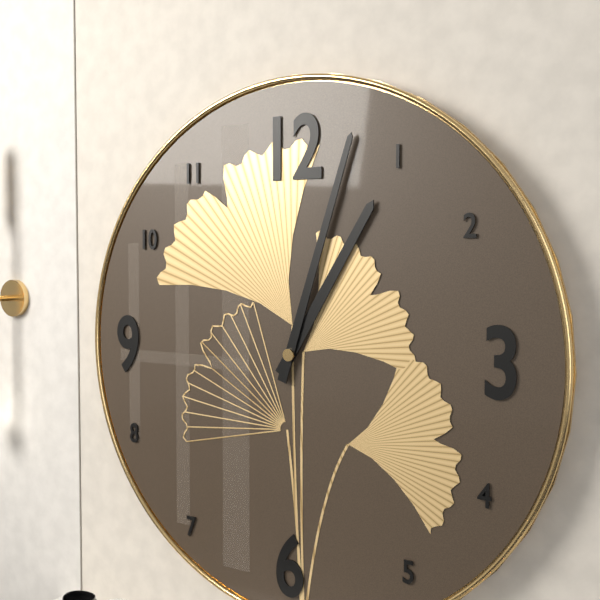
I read {"hour": 1, "minute": 3}
